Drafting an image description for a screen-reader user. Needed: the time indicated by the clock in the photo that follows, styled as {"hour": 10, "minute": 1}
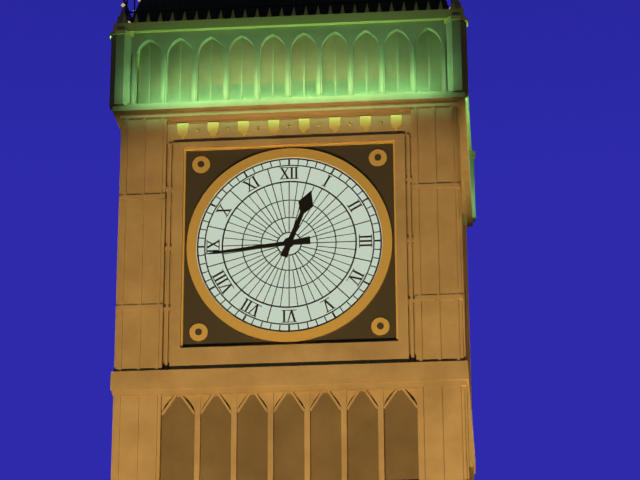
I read {"hour": 12, "minute": 44}
